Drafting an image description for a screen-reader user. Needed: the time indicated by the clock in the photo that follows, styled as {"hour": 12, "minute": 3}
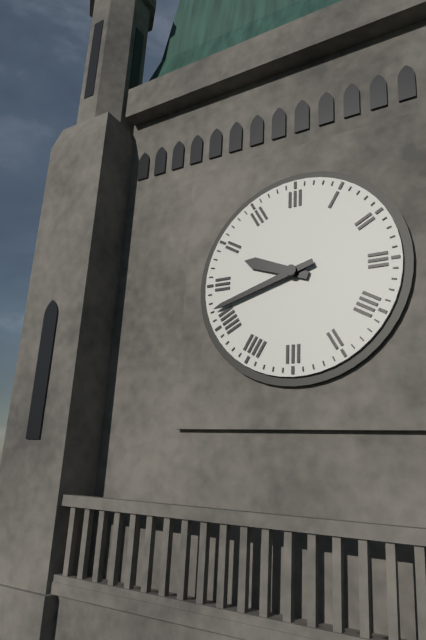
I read {"hour": 9, "minute": 42}
